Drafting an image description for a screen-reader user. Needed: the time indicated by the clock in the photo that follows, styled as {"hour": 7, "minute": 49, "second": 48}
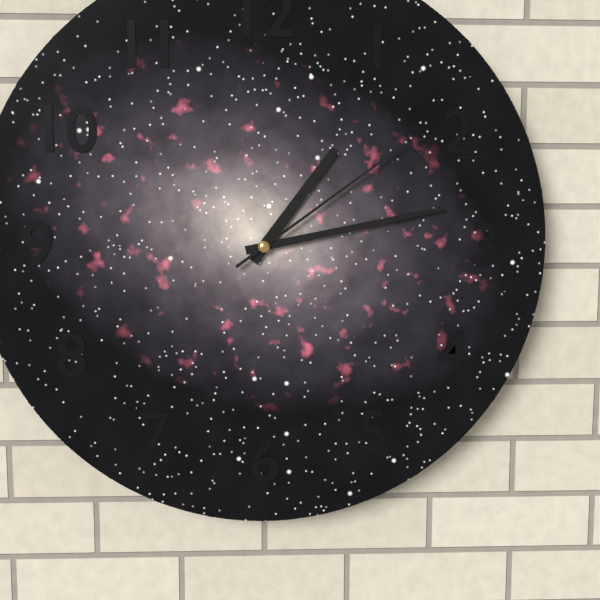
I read {"hour": 1, "minute": 13, "second": 9}
